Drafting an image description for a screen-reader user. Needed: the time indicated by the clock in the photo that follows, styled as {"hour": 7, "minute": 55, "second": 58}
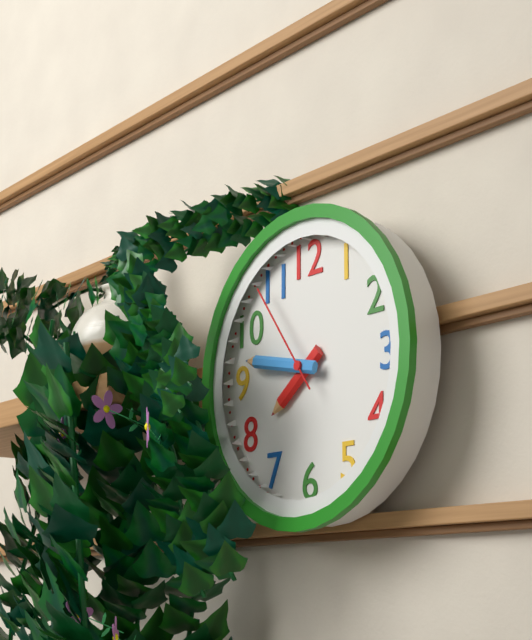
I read {"hour": 7, "minute": 47, "second": 54}
